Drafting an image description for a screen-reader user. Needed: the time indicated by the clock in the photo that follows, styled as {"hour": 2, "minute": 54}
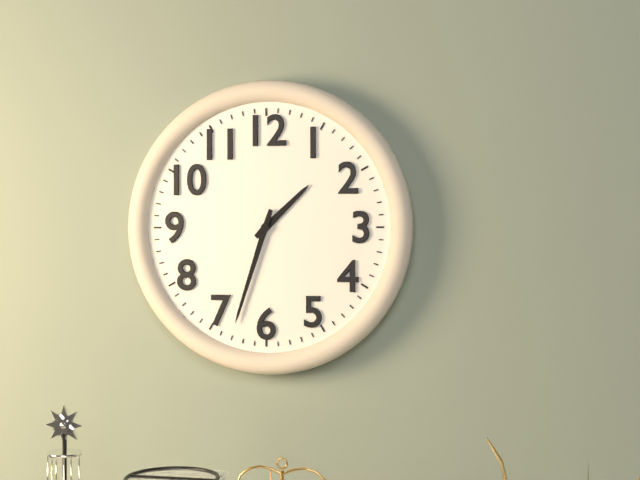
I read {"hour": 1, "minute": 33}
